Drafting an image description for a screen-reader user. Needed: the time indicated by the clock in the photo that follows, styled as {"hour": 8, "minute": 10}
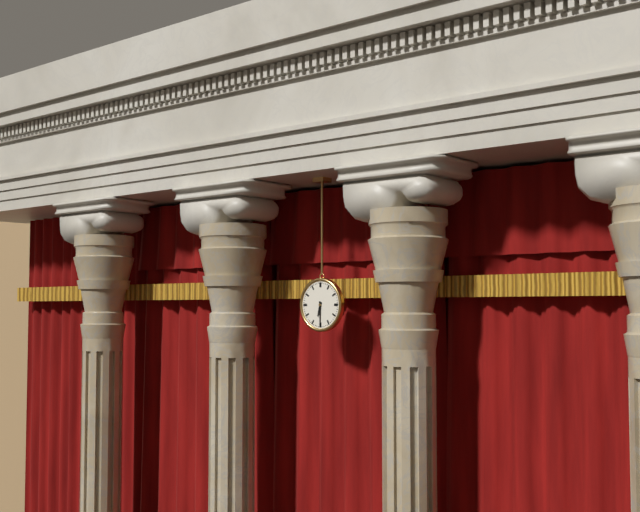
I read {"hour": 6, "minute": 30}
